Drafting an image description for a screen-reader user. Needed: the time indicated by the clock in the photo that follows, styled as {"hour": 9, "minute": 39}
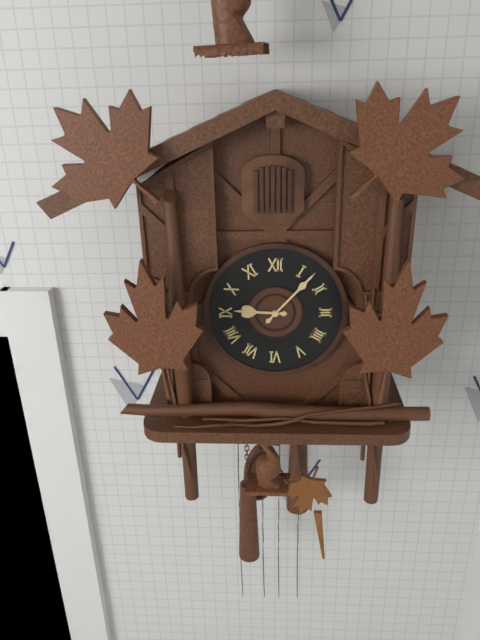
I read {"hour": 9, "minute": 7}
